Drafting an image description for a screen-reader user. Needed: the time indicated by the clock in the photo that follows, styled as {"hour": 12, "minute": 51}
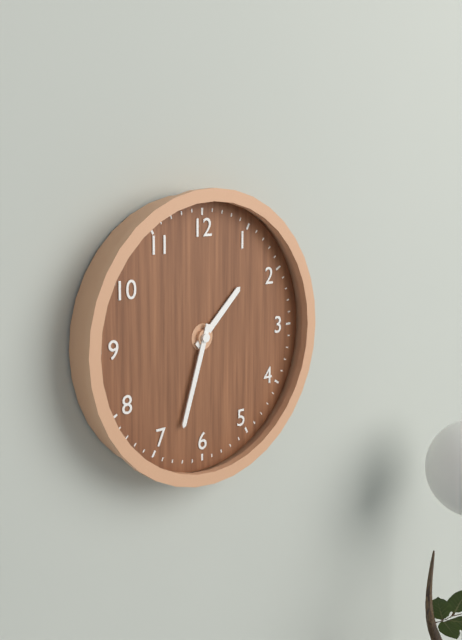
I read {"hour": 1, "minute": 33}
